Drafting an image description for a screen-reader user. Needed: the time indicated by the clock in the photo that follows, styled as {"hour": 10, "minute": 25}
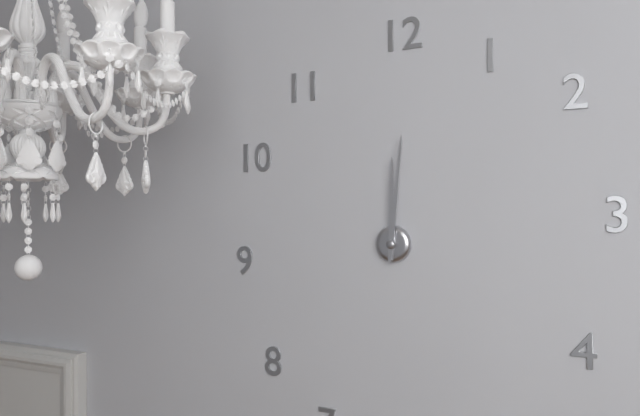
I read {"hour": 12, "minute": 1}
